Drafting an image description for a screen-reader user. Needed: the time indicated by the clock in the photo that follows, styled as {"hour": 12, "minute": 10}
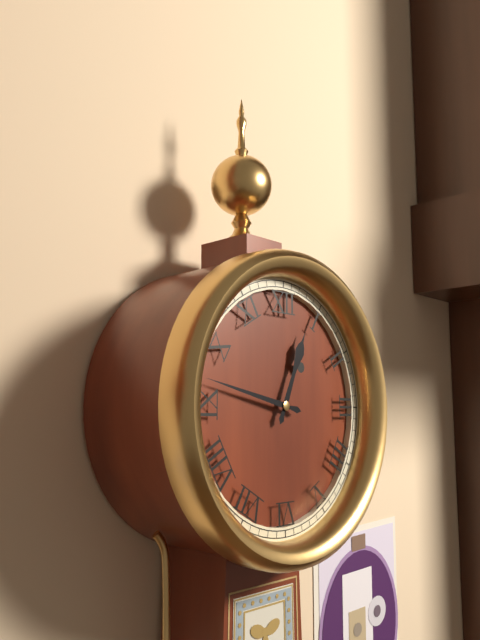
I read {"hour": 12, "minute": 47}
